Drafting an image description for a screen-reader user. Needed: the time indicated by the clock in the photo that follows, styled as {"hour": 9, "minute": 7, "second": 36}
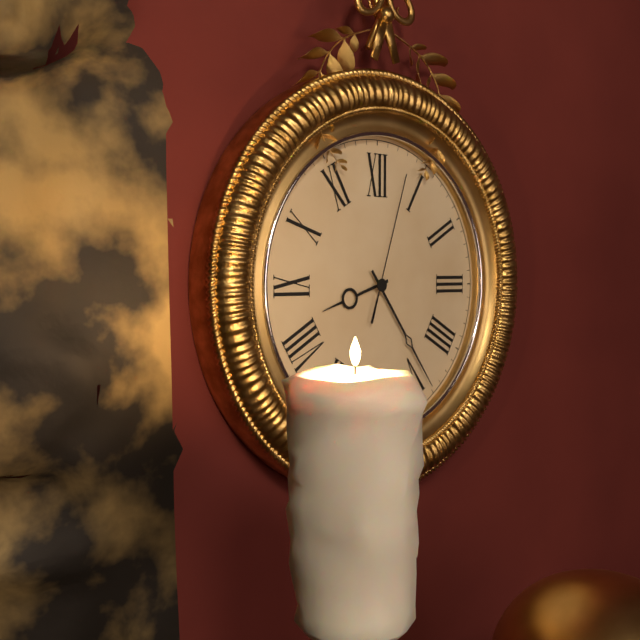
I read {"hour": 8, "minute": 24, "second": 3}
